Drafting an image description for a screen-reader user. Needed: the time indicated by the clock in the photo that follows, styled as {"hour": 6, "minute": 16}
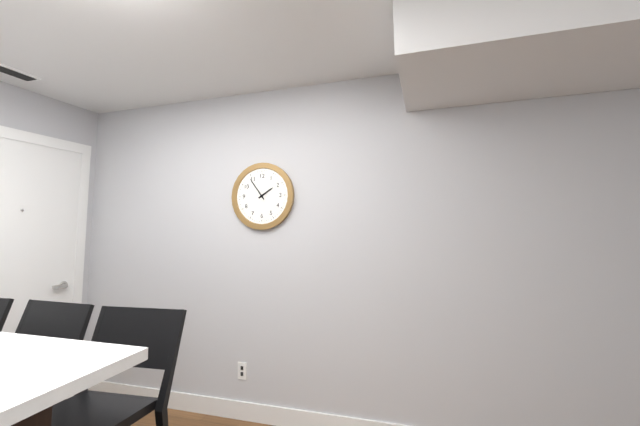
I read {"hour": 1, "minute": 54}
